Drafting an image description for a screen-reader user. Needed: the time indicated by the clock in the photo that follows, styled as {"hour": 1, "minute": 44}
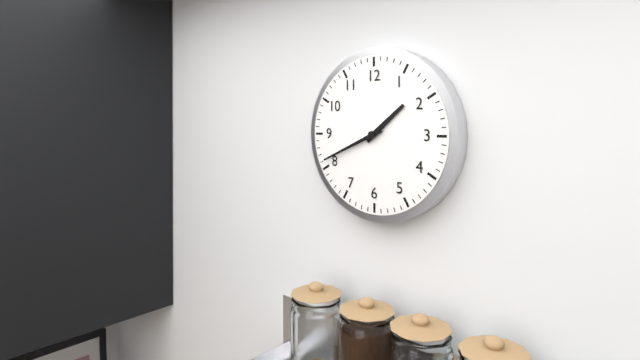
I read {"hour": 1, "minute": 41}
